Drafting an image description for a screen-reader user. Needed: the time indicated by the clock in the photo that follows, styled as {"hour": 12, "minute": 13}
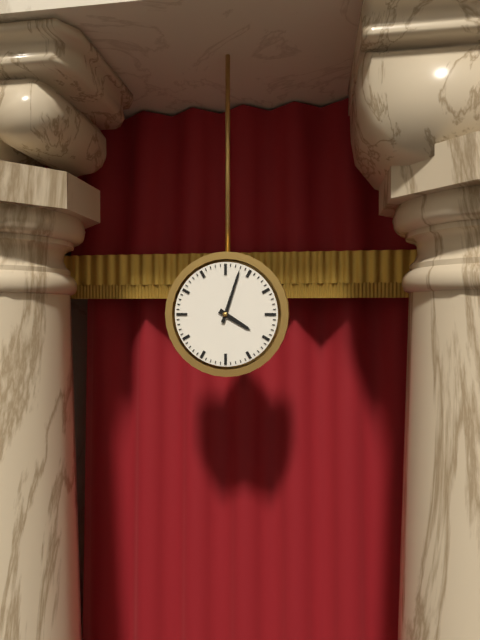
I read {"hour": 4, "minute": 3}
